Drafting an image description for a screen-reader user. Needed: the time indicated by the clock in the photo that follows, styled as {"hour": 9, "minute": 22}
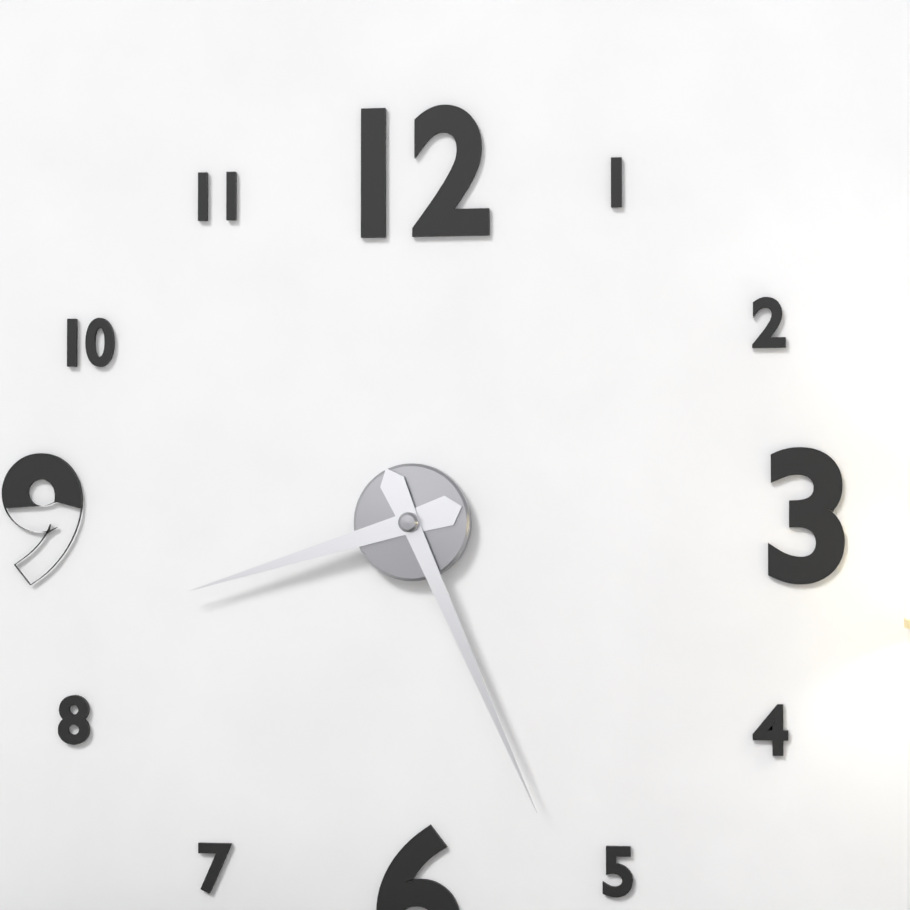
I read {"hour": 8, "minute": 26}
